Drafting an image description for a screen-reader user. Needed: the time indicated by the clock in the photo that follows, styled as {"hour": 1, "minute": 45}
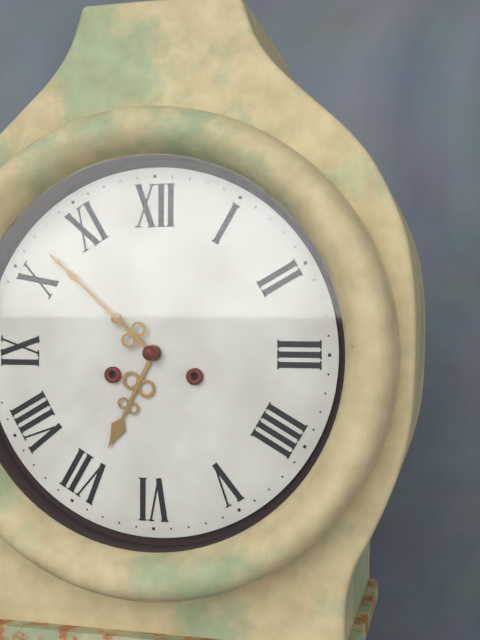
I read {"hour": 6, "minute": 52}
